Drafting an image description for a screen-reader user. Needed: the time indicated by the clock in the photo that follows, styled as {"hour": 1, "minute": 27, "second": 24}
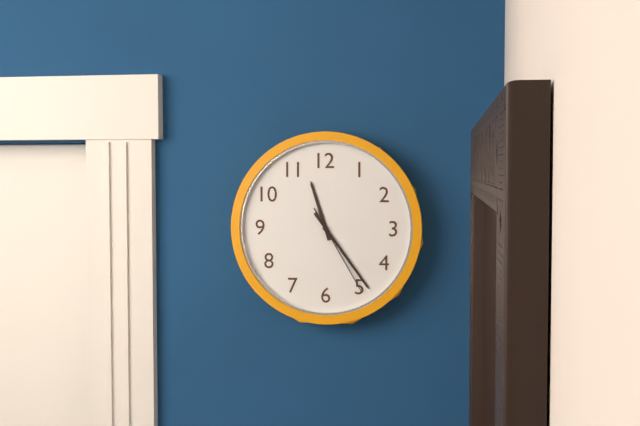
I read {"hour": 11, "minute": 24, "second": 25}
